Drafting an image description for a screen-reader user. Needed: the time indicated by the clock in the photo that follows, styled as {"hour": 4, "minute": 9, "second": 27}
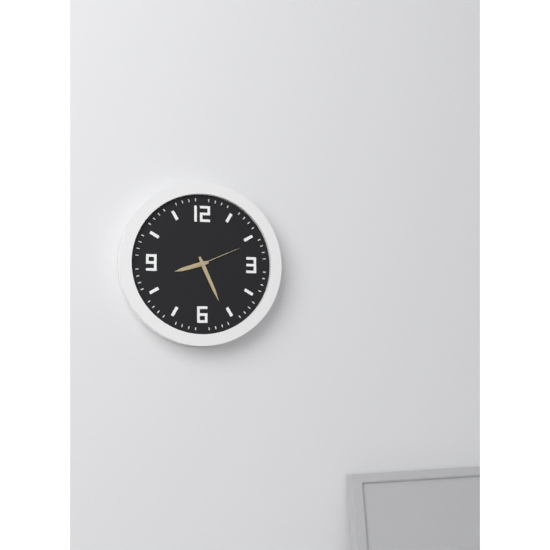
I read {"hour": 8, "minute": 26, "second": 11}
